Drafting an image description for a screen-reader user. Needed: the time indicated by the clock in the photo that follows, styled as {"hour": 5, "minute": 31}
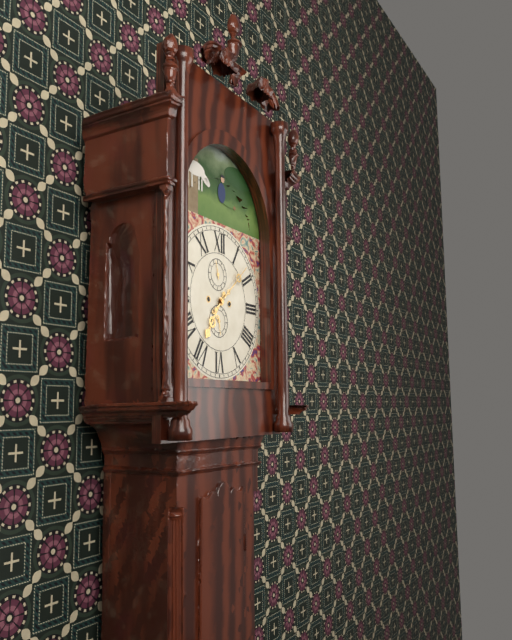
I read {"hour": 7, "minute": 8}
